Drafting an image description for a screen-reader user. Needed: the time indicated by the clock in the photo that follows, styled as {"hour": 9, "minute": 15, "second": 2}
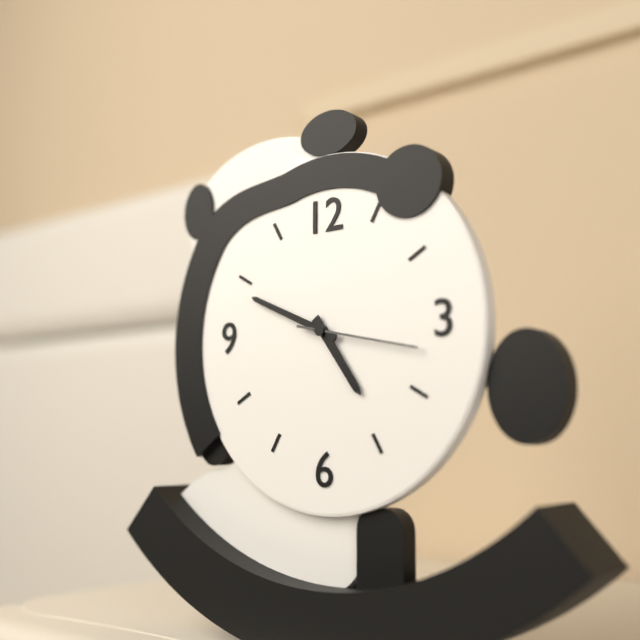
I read {"hour": 4, "minute": 49, "second": 17}
